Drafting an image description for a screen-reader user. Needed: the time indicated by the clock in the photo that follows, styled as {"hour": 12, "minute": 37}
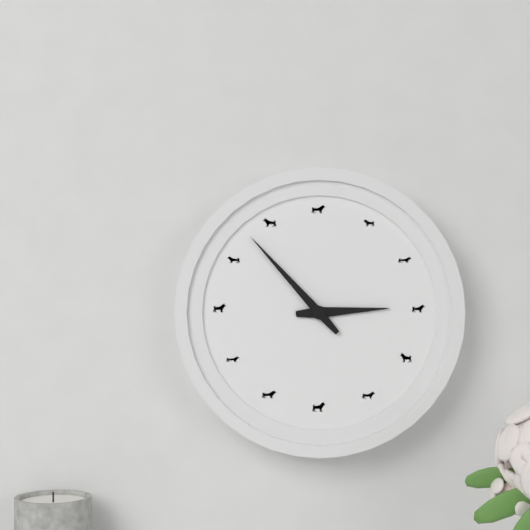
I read {"hour": 2, "minute": 53}
